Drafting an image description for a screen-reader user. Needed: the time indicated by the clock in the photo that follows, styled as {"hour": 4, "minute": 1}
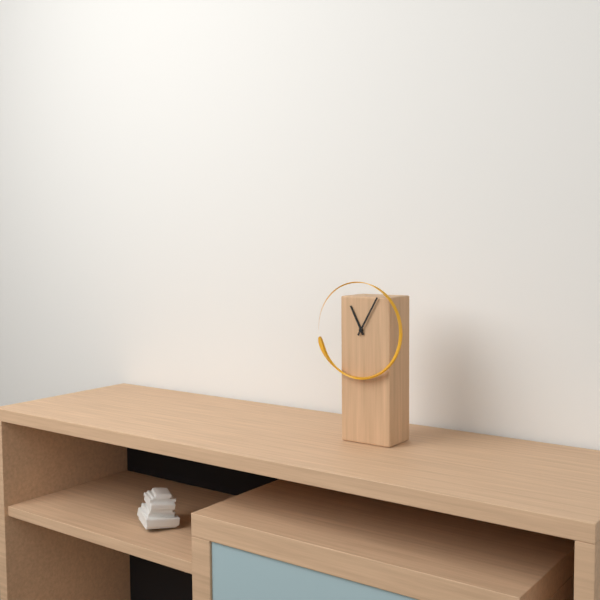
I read {"hour": 11, "minute": 5}
